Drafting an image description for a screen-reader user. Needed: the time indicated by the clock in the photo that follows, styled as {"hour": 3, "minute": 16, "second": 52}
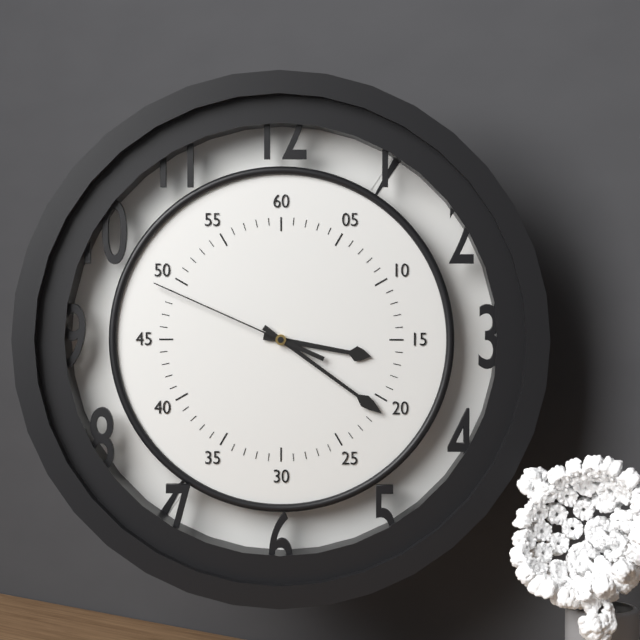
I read {"hour": 3, "minute": 21, "second": 49}
